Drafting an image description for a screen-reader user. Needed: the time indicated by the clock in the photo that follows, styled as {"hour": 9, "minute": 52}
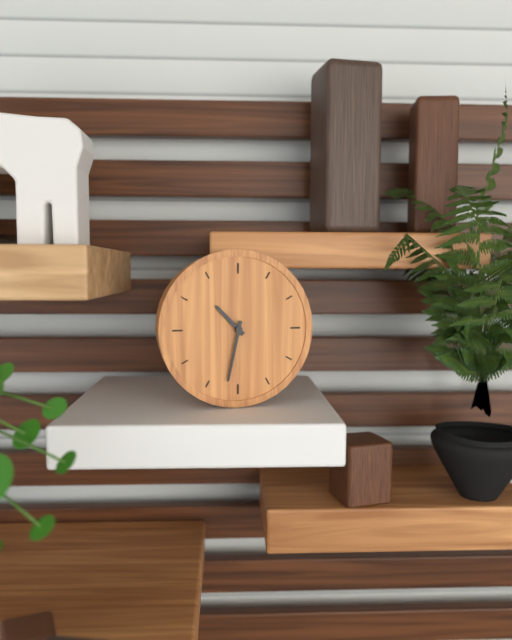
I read {"hour": 10, "minute": 32}
